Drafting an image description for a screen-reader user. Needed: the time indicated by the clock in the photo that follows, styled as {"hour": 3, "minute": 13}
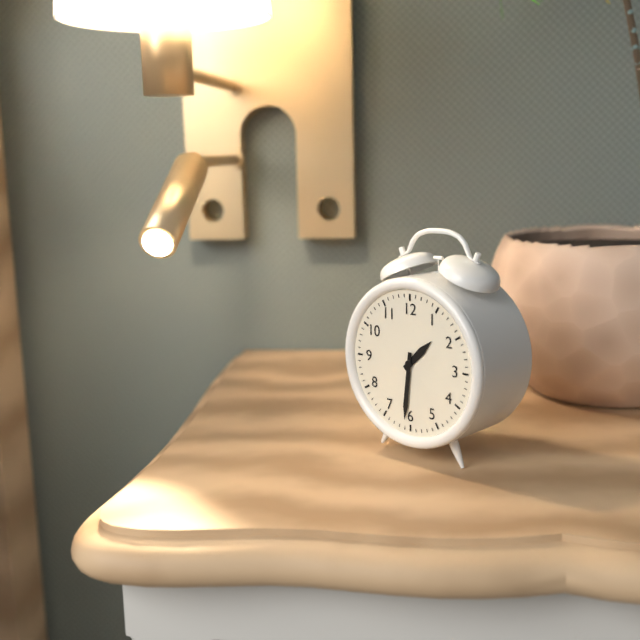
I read {"hour": 1, "minute": 31}
